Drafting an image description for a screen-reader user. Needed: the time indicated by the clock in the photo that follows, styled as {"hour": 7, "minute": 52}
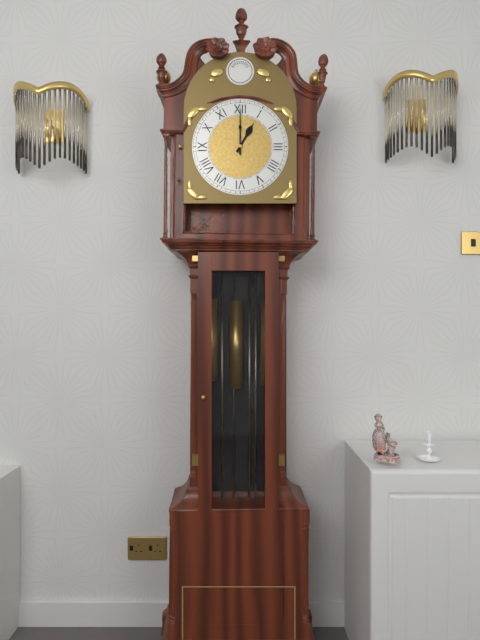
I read {"hour": 1, "minute": 0}
